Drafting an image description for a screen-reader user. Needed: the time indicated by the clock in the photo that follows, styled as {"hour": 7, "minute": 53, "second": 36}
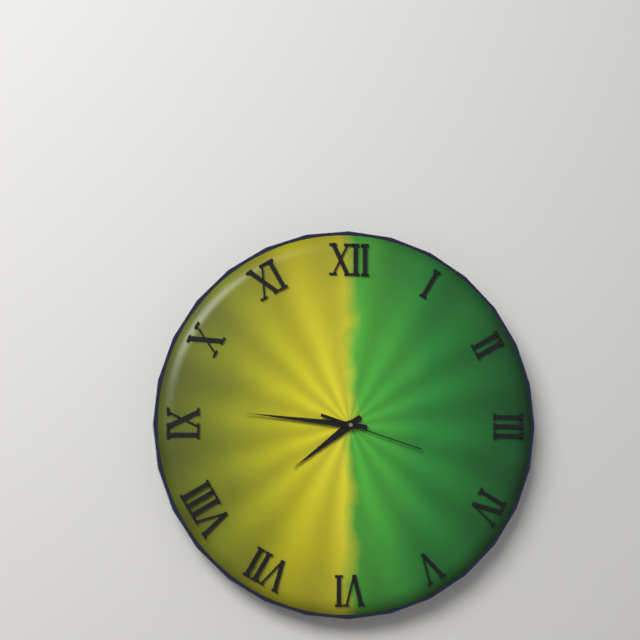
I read {"hour": 7, "minute": 46, "second": 18}
